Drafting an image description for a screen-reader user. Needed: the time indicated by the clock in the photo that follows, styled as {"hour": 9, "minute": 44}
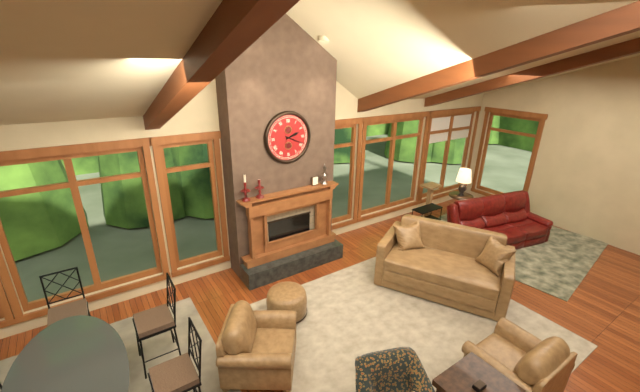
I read {"hour": 2, "minute": 19}
